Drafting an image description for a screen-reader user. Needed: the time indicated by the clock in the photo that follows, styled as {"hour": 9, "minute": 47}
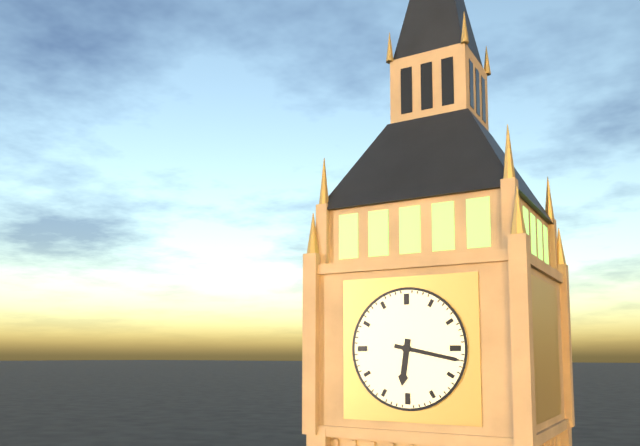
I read {"hour": 6, "minute": 17}
